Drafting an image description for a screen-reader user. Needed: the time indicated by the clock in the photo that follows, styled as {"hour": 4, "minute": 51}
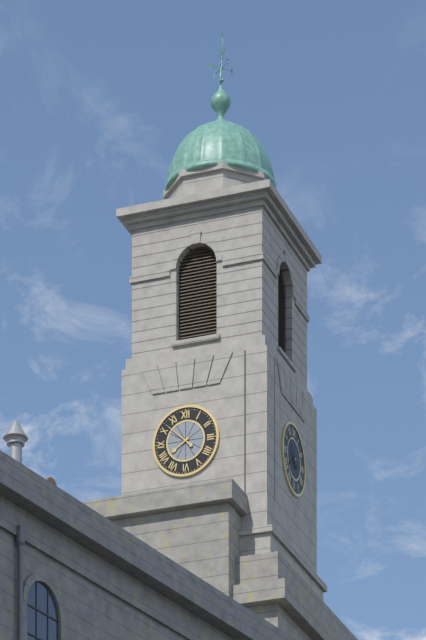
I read {"hour": 7, "minute": 52}
